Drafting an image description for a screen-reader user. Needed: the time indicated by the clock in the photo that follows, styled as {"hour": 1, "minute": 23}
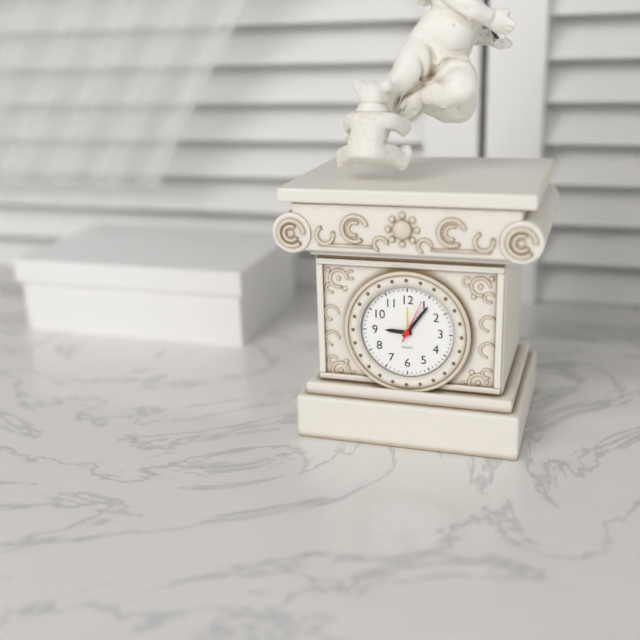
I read {"hour": 9, "minute": 6}
